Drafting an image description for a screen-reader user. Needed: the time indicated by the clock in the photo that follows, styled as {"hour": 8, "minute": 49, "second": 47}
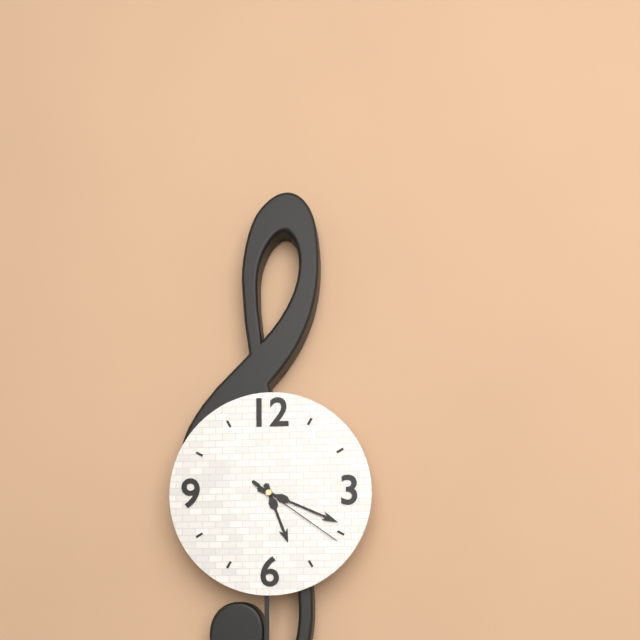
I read {"hour": 5, "minute": 19, "second": 21}
